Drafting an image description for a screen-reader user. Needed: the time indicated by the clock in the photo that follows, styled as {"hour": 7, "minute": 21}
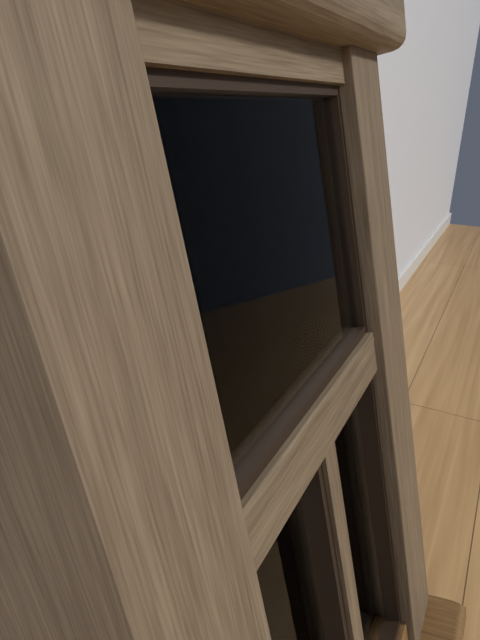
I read {"hour": 2, "minute": 38}
